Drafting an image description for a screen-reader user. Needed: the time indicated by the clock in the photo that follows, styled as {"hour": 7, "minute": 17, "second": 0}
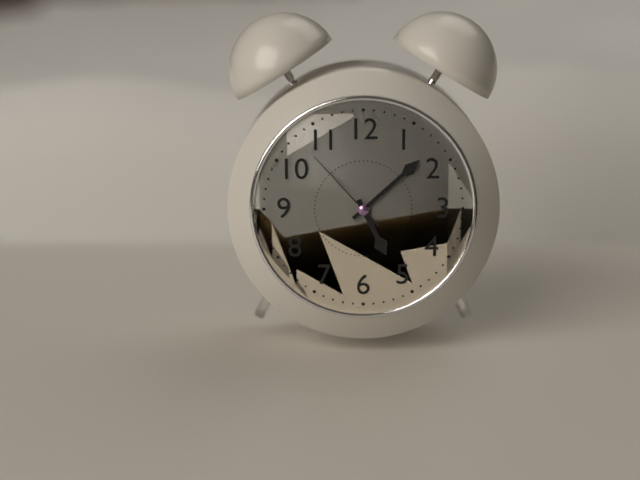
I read {"hour": 5, "minute": 8, "second": 53}
